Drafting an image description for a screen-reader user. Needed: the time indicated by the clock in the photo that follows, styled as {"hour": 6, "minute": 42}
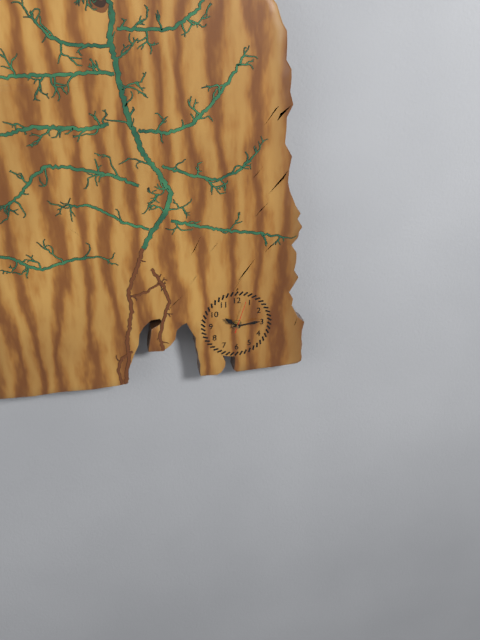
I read {"hour": 10, "minute": 14}
